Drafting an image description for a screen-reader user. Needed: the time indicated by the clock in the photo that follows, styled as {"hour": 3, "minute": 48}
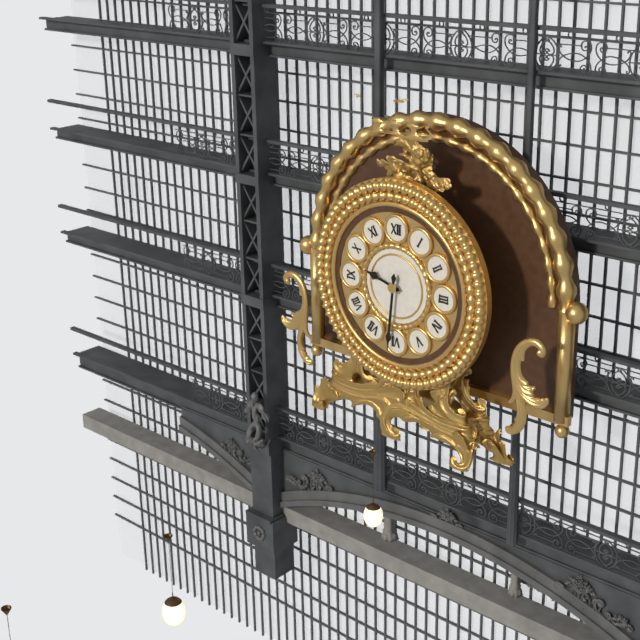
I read {"hour": 9, "minute": 31}
